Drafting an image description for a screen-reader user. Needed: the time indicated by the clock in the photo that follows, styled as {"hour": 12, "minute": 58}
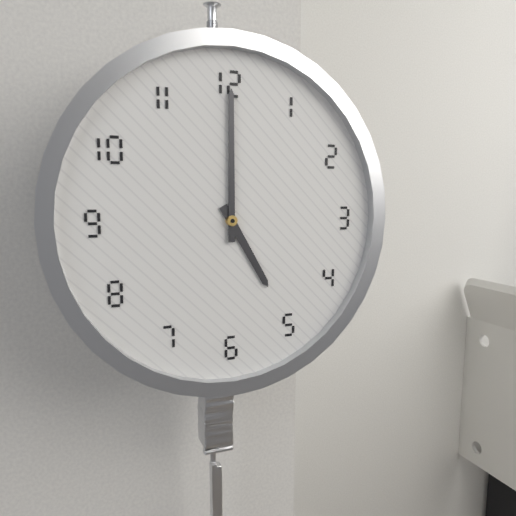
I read {"hour": 5, "minute": 0}
